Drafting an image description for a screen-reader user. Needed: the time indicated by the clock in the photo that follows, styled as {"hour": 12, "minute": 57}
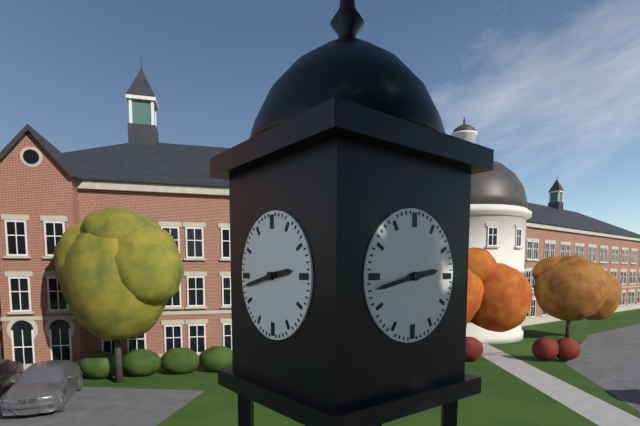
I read {"hour": 2, "minute": 43}
